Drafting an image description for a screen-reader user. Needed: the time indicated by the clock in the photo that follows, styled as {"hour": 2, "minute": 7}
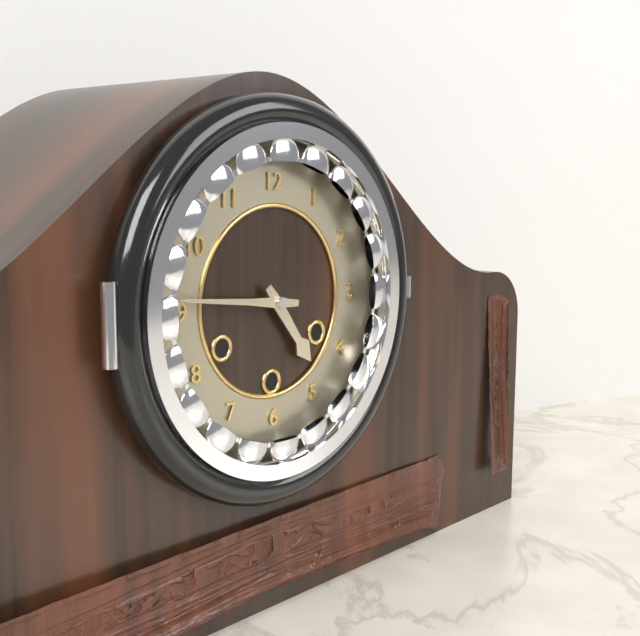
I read {"hour": 4, "minute": 46}
